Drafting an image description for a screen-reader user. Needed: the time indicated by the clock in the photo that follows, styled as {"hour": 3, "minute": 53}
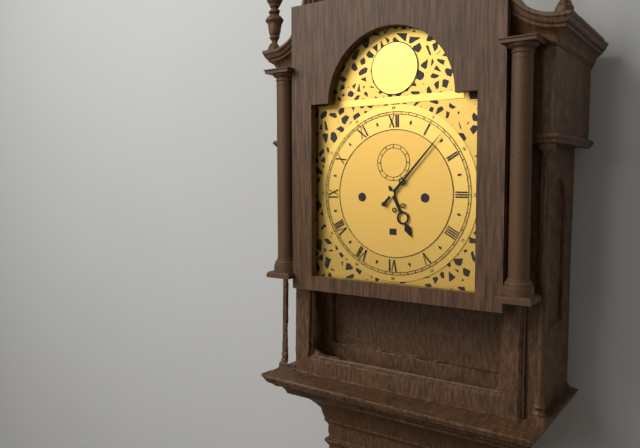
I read {"hour": 5, "minute": 7}
